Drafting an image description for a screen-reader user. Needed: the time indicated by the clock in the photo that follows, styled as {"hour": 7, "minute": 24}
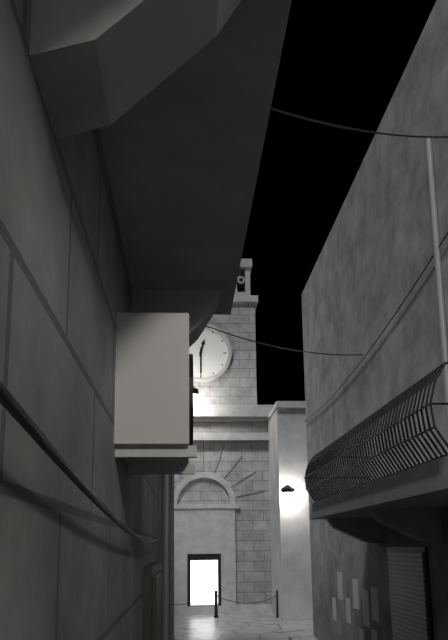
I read {"hour": 12, "minute": 30}
